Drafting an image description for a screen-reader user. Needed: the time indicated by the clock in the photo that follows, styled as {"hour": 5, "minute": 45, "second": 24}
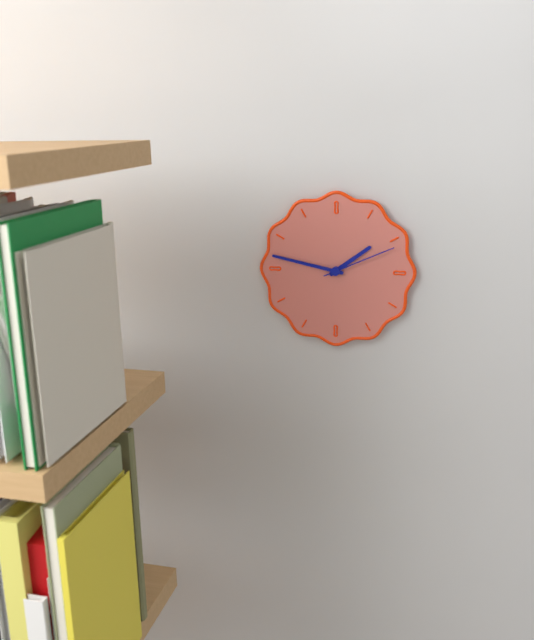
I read {"hour": 1, "minute": 47, "second": 11}
